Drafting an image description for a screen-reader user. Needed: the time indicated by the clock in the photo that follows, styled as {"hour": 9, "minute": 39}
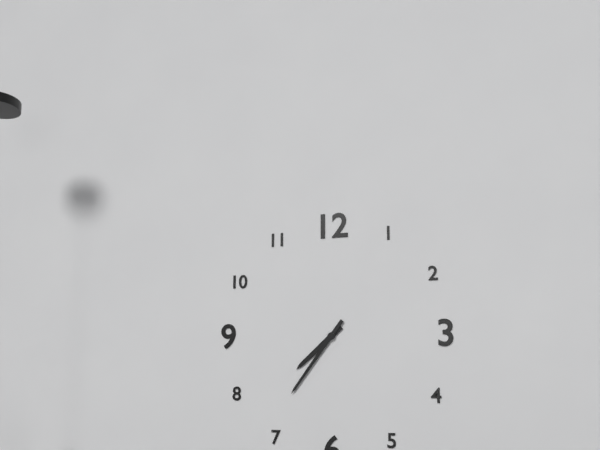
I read {"hour": 7, "minute": 36}
